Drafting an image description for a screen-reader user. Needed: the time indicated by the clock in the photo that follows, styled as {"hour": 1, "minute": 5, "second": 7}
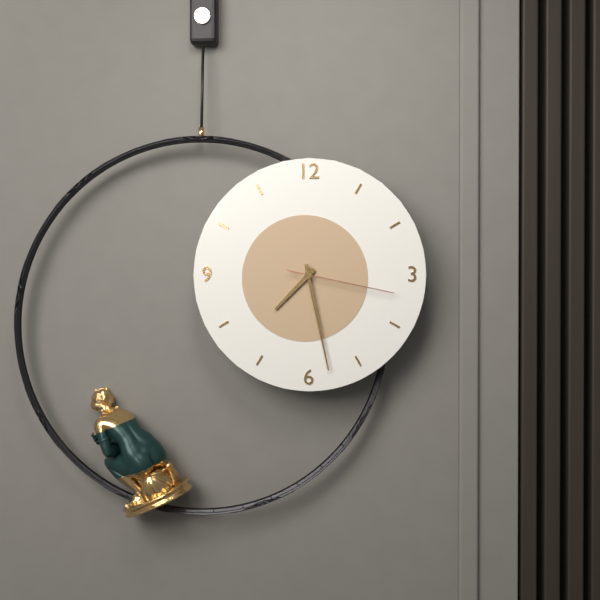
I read {"hour": 7, "minute": 28, "second": 17}
